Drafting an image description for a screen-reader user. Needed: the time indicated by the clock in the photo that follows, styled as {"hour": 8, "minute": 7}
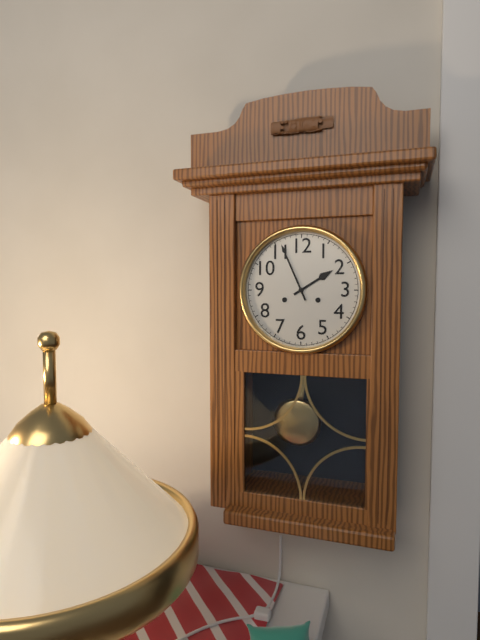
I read {"hour": 1, "minute": 56}
